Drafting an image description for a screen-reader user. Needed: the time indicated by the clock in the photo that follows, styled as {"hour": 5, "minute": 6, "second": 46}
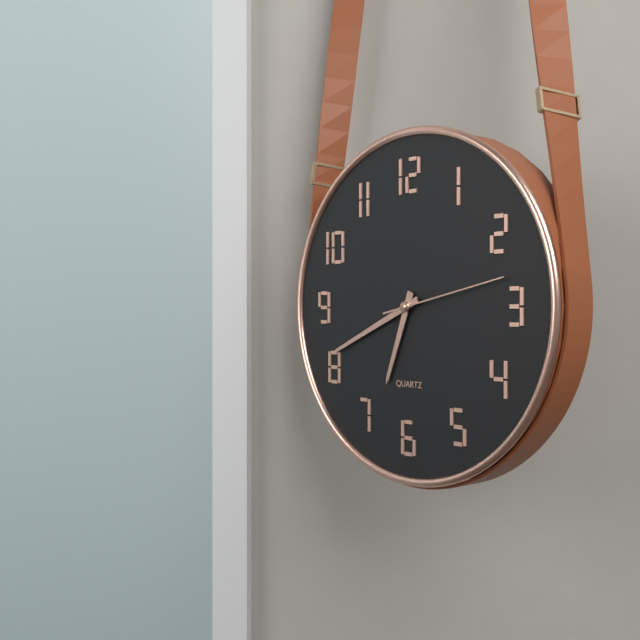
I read {"hour": 6, "minute": 41, "second": 13}
